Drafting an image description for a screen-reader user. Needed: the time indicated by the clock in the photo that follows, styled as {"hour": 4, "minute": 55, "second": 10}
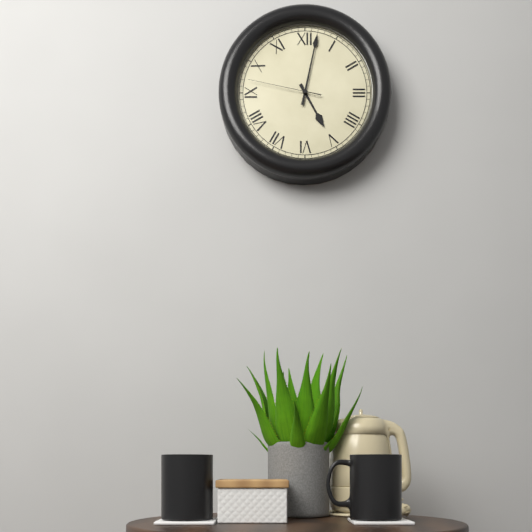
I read {"hour": 5, "minute": 2, "second": 47}
